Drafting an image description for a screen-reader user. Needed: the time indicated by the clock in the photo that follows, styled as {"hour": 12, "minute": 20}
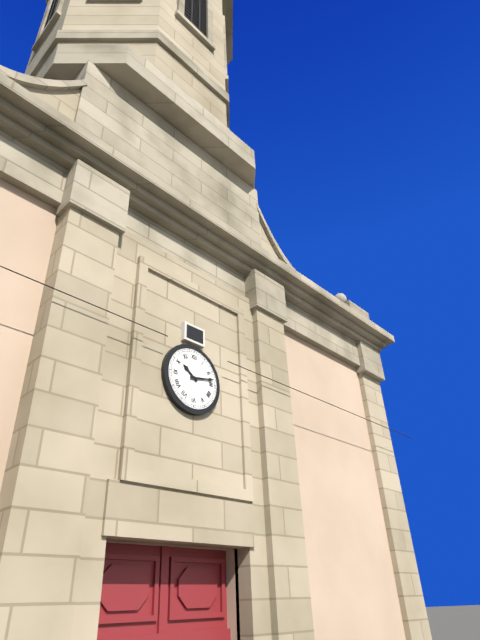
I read {"hour": 10, "minute": 13}
